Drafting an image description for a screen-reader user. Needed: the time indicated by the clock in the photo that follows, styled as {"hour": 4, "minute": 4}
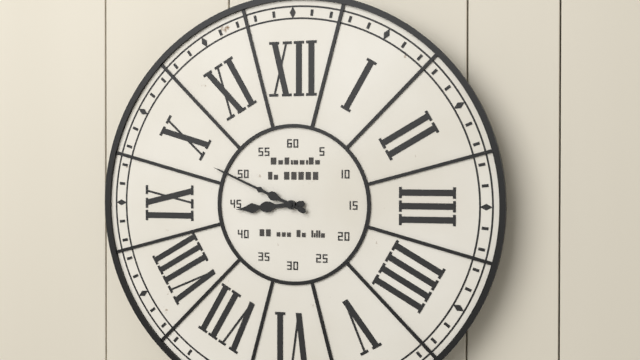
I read {"hour": 8, "minute": 49}
